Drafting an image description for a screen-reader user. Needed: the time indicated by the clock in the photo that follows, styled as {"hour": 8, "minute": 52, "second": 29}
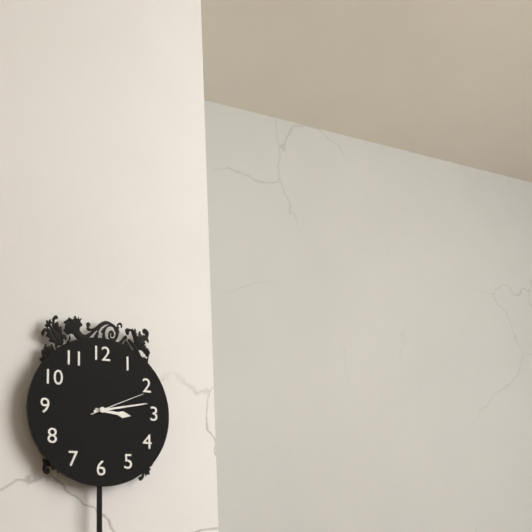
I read {"hour": 3, "minute": 13, "second": 11}
